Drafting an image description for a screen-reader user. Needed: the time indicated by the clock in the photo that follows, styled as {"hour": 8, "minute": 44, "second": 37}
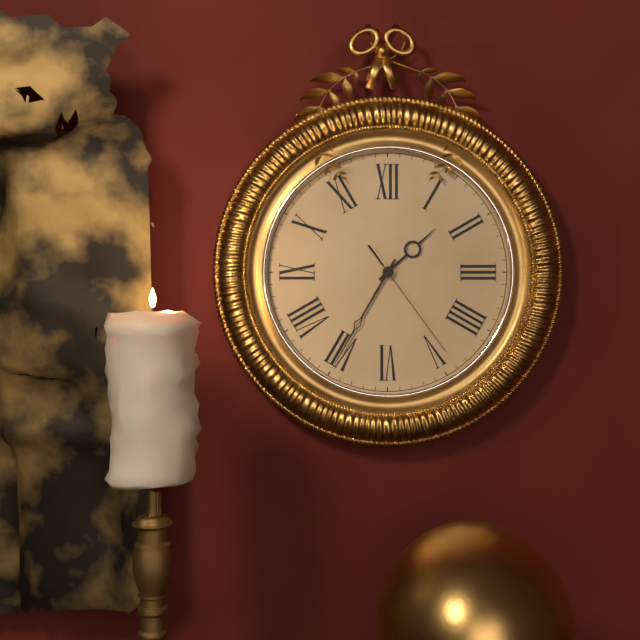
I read {"hour": 1, "minute": 35, "second": 24}
